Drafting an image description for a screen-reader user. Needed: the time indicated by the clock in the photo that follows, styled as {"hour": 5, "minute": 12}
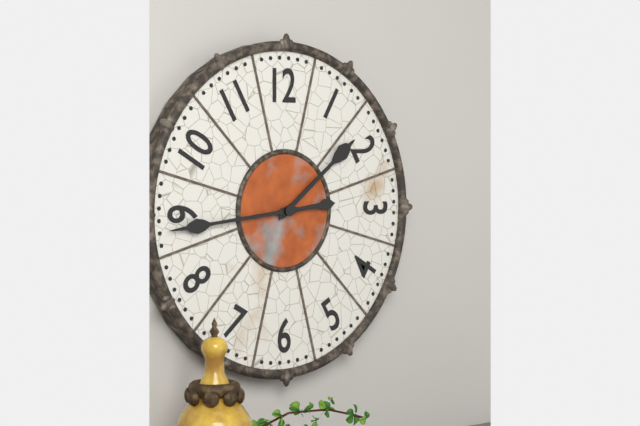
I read {"hour": 1, "minute": 44}
